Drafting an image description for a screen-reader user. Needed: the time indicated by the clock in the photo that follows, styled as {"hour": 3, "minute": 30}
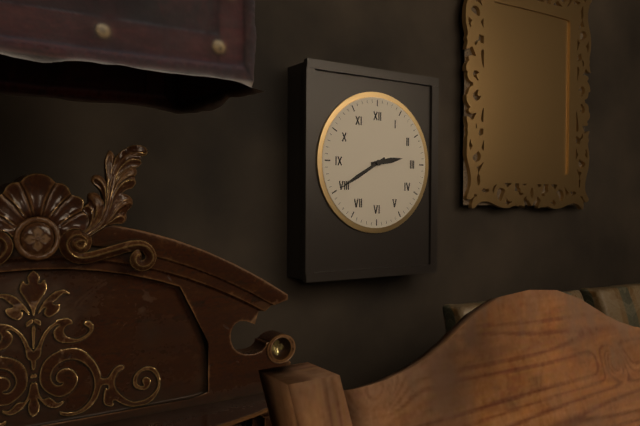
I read {"hour": 2, "minute": 40}
